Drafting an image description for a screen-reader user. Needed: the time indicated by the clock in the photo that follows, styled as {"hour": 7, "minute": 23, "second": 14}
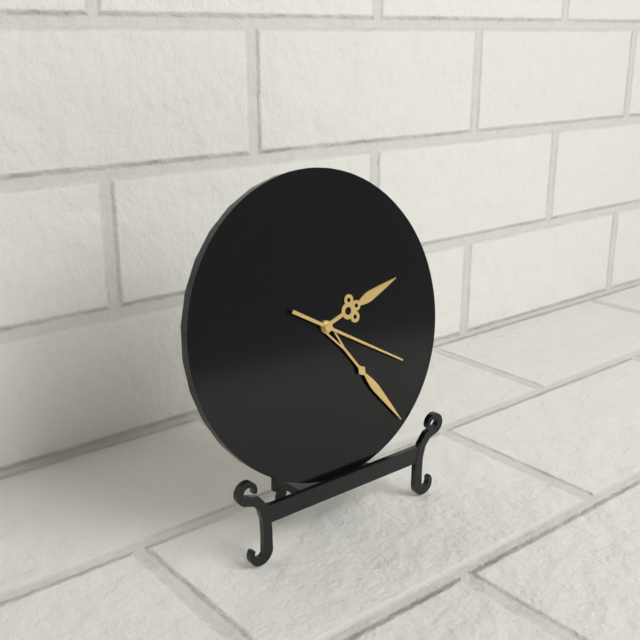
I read {"hour": 2, "minute": 24, "second": 20}
